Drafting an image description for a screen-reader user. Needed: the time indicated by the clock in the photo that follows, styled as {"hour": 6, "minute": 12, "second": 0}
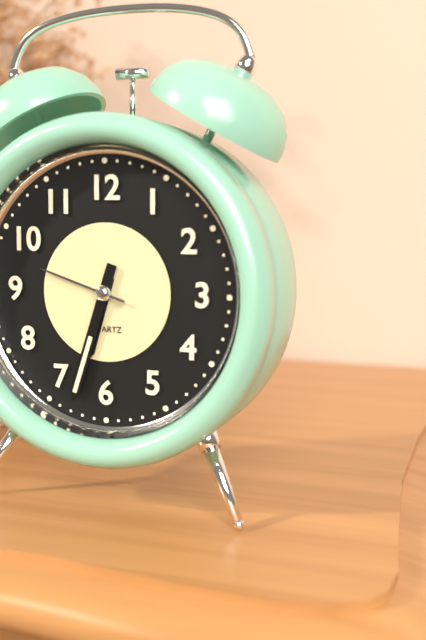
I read {"hour": 6, "minute": 33, "second": 48}
